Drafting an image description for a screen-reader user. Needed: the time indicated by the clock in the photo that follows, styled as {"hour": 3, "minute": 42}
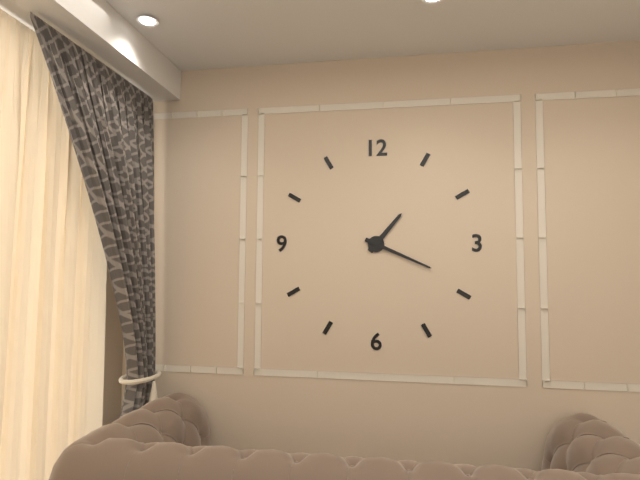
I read {"hour": 1, "minute": 19}
